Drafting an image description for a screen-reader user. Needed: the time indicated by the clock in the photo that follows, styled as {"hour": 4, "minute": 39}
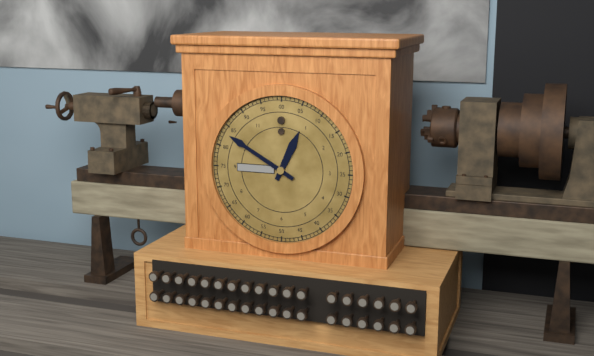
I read {"hour": 12, "minute": 50}
